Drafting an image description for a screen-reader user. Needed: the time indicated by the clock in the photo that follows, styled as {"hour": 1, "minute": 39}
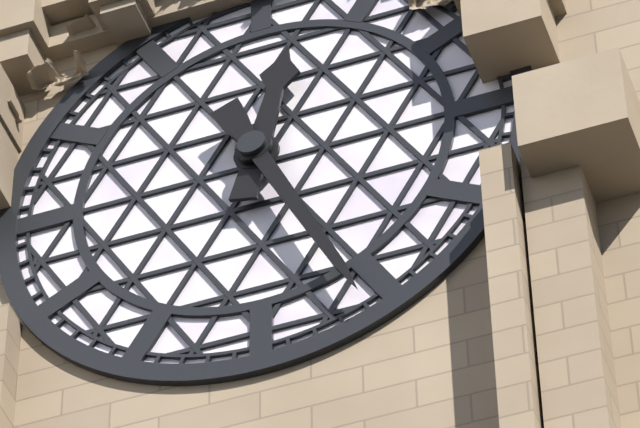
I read {"hour": 12, "minute": 26}
